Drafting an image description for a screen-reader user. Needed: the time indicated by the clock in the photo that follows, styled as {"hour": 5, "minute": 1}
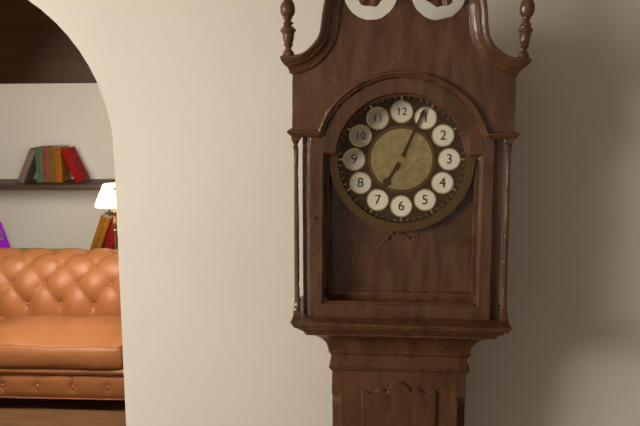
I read {"hour": 7, "minute": 4}
